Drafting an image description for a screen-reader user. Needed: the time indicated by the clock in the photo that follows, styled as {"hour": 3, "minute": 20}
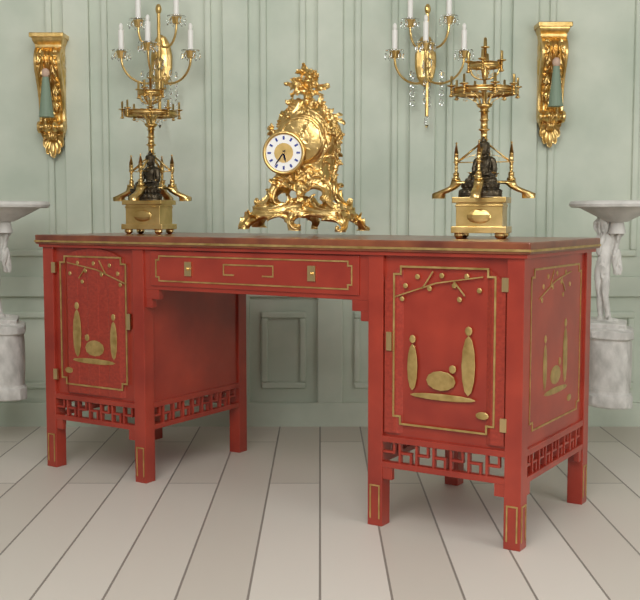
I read {"hour": 5, "minute": 36}
